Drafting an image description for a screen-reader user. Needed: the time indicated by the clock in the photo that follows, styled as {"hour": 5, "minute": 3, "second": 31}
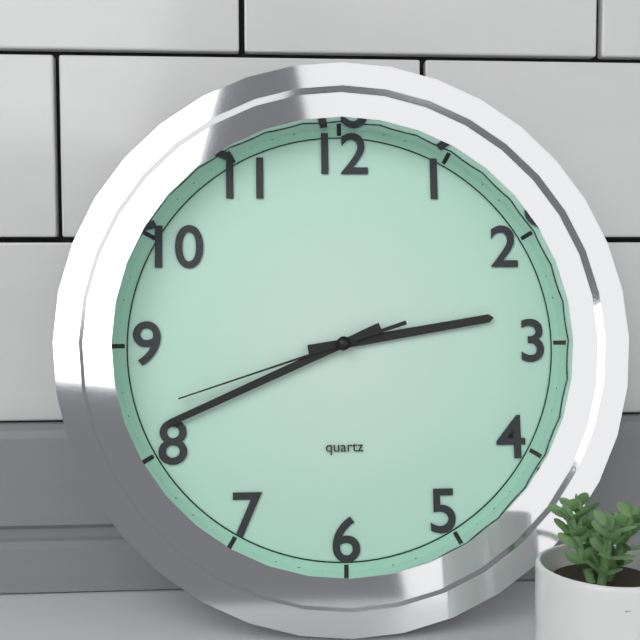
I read {"hour": 2, "minute": 41, "second": 42}
